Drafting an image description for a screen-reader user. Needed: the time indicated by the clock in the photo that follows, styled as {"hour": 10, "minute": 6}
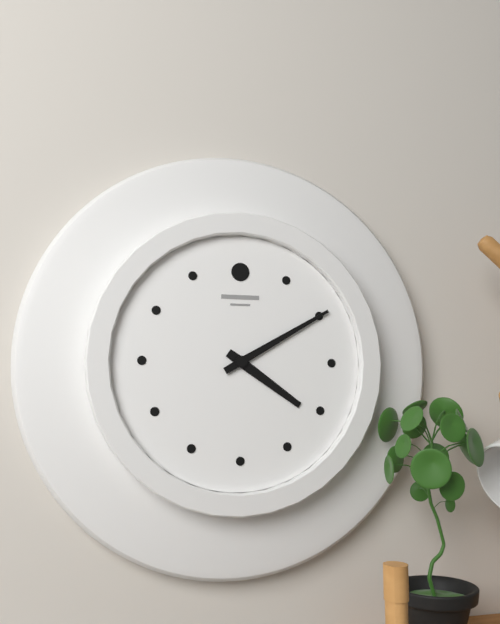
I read {"hour": 4, "minute": 10}
